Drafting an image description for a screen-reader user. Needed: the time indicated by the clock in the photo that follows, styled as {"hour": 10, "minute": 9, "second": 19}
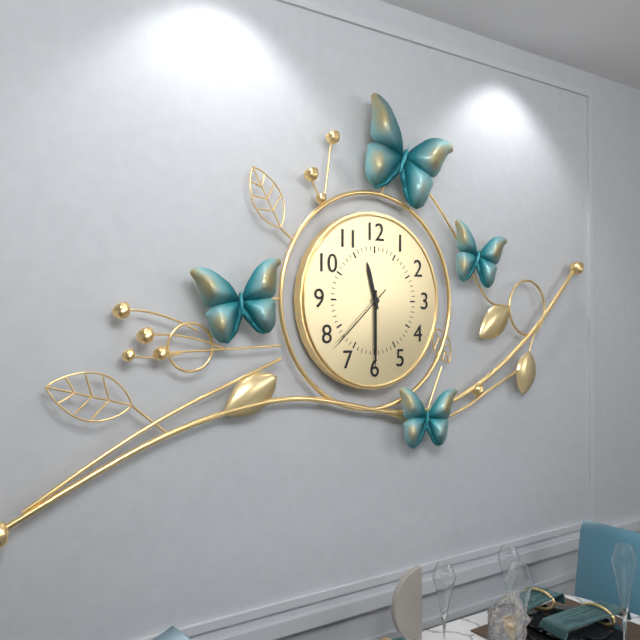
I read {"hour": 11, "minute": 30, "second": 38}
